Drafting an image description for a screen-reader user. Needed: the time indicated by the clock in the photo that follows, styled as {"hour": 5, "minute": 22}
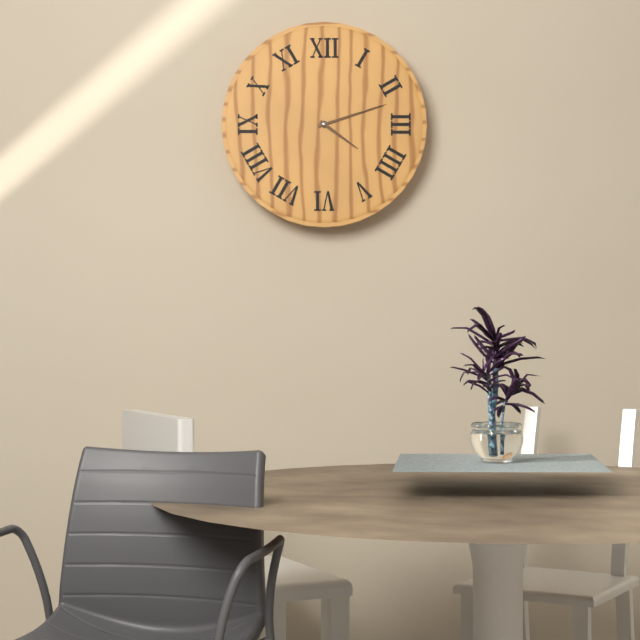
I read {"hour": 4, "minute": 12}
